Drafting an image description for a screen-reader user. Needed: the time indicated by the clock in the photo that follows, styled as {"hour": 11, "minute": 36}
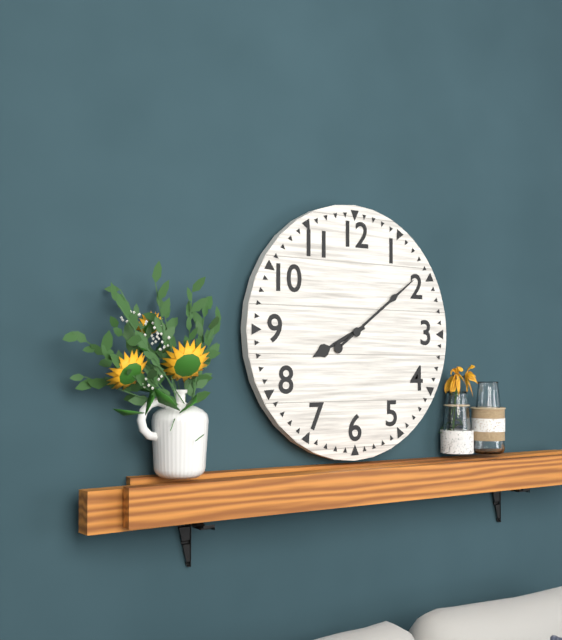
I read {"hour": 8, "minute": 9}
